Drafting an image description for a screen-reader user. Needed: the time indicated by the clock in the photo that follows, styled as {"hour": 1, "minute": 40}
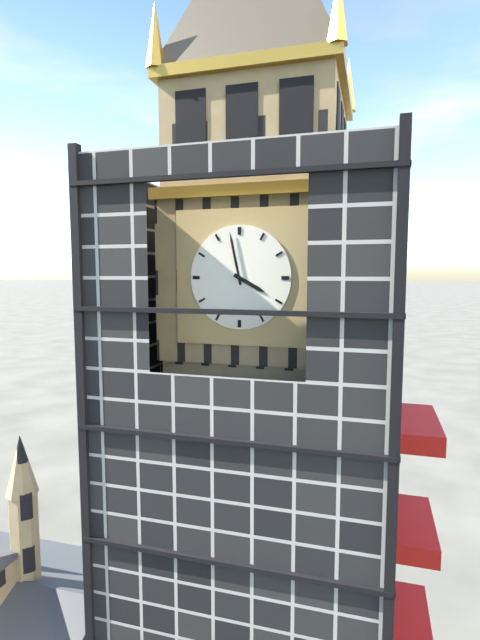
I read {"hour": 3, "minute": 58}
